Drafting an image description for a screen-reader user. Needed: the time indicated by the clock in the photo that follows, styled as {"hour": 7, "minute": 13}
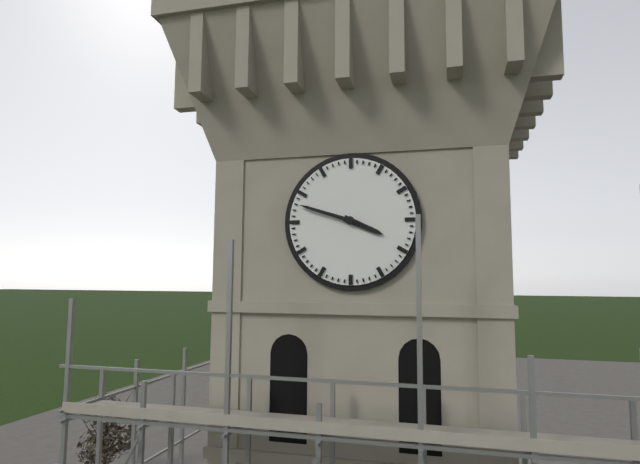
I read {"hour": 3, "minute": 48}
